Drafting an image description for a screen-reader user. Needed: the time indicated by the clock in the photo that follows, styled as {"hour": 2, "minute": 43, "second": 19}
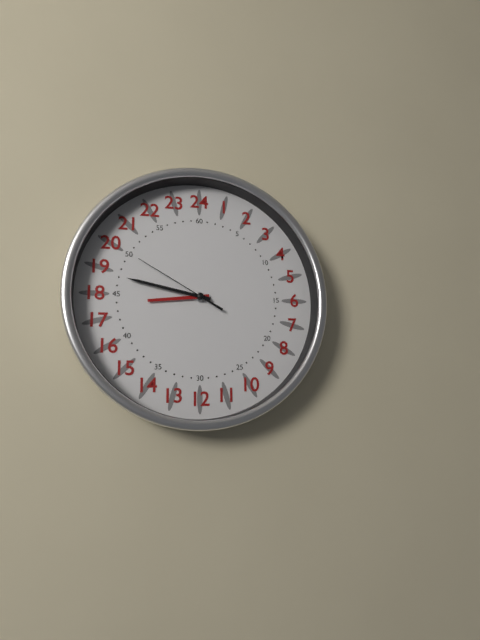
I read {"hour": 8, "minute": 47, "second": 50}
